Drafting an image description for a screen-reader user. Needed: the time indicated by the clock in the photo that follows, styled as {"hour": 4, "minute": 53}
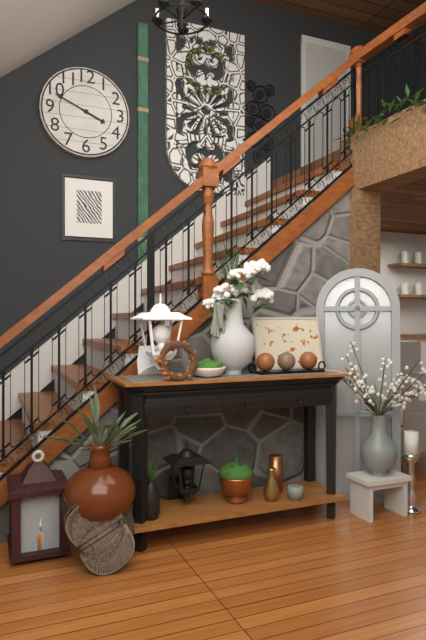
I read {"hour": 3, "minute": 49}
